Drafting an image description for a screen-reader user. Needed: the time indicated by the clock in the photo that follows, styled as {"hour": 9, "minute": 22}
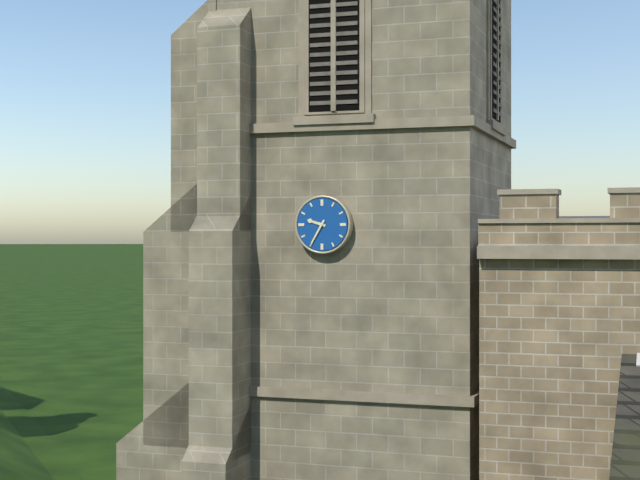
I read {"hour": 9, "minute": 35}
